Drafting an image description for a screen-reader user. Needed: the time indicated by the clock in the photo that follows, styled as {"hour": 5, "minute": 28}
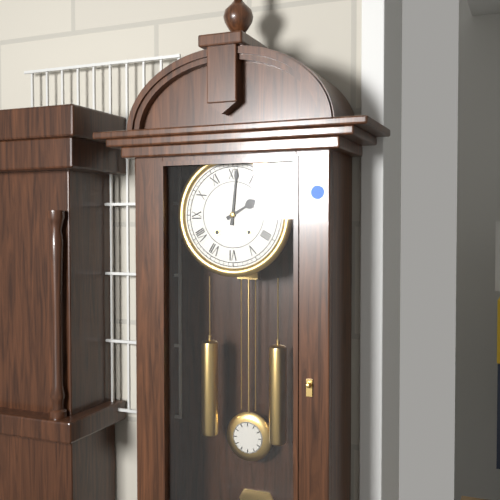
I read {"hour": 2, "minute": 1}
